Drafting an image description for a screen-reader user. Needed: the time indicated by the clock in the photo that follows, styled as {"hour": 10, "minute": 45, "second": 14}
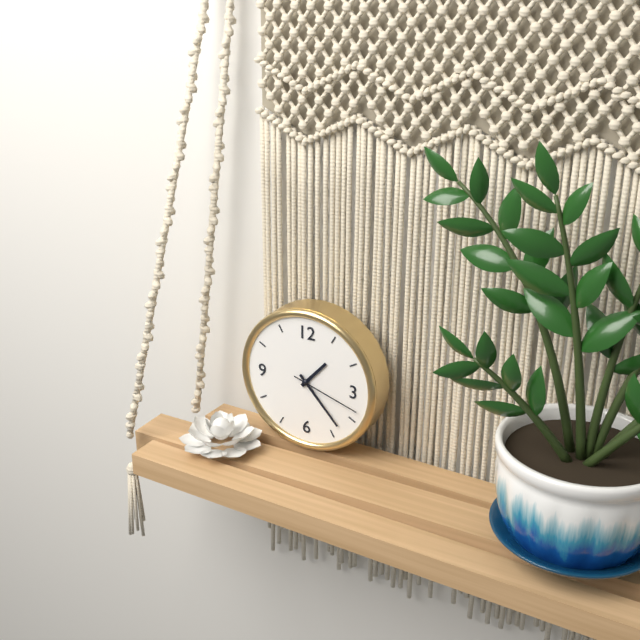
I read {"hour": 1, "minute": 23, "second": 18}
